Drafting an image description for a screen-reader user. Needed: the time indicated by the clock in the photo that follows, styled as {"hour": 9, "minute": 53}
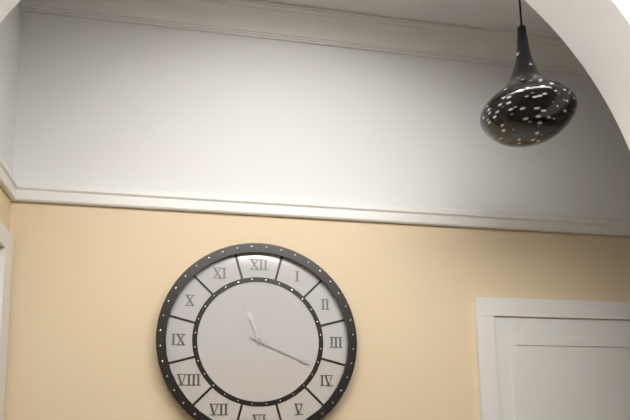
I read {"hour": 11, "minute": 19}
